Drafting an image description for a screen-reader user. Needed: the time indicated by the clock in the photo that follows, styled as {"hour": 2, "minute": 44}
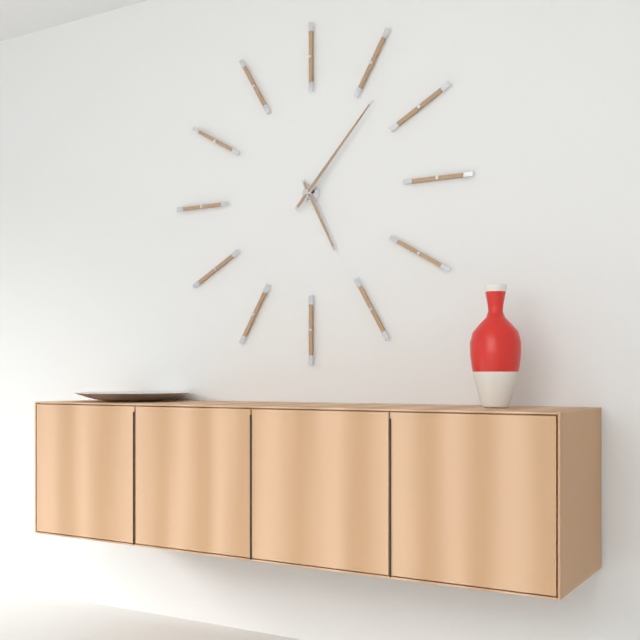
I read {"hour": 5, "minute": 7}
